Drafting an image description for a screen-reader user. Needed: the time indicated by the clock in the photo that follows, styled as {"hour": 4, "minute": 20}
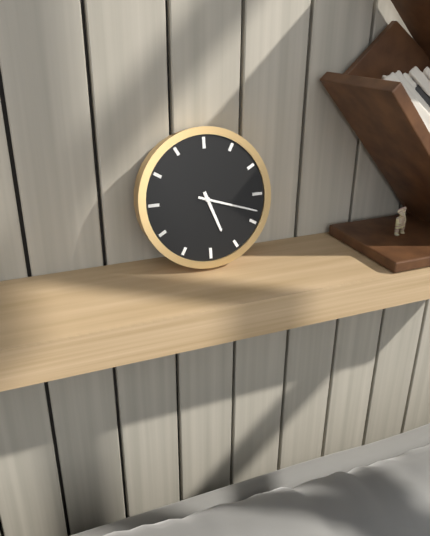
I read {"hour": 5, "minute": 18}
